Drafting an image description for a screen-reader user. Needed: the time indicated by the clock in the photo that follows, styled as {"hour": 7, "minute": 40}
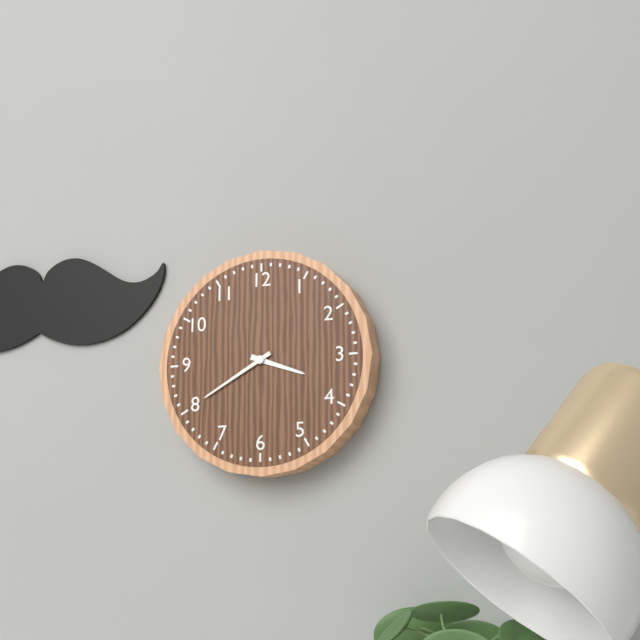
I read {"hour": 3, "minute": 40}
